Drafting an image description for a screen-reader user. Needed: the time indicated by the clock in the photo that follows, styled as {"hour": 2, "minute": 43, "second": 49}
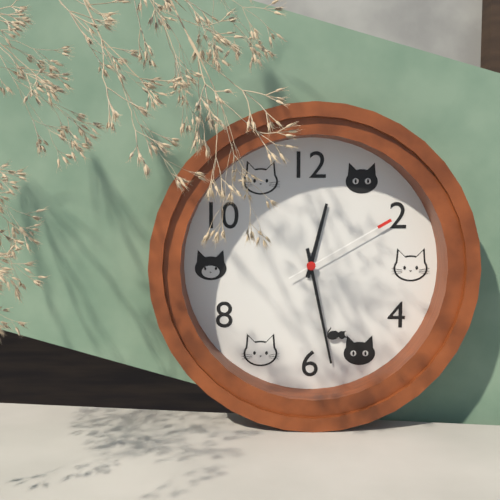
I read {"hour": 12, "minute": 28, "second": 10}
